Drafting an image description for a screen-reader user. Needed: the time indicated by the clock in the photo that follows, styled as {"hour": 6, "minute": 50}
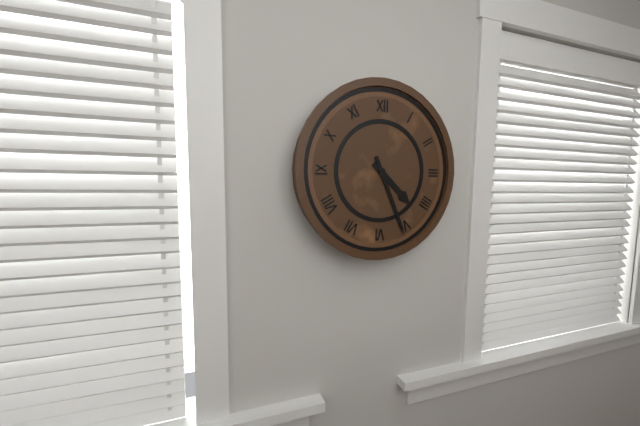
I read {"hour": 4, "minute": 26}
